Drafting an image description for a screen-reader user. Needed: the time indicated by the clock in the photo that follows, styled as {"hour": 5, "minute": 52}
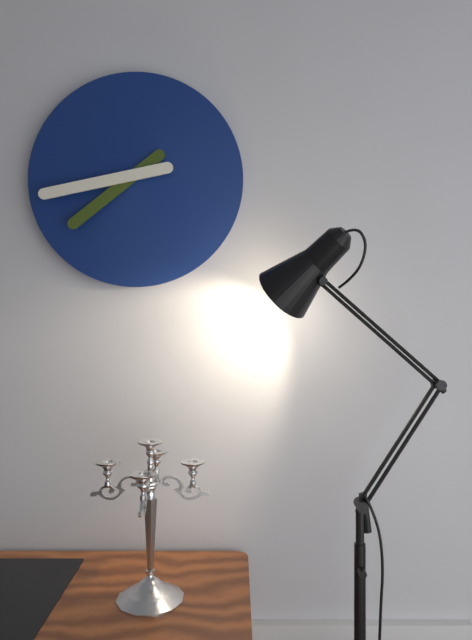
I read {"hour": 7, "minute": 43}
